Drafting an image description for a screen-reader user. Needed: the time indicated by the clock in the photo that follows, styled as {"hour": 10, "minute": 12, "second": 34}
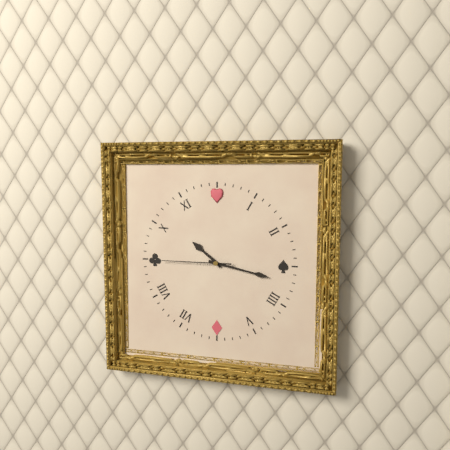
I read {"hour": 10, "minute": 17, "second": 45}
